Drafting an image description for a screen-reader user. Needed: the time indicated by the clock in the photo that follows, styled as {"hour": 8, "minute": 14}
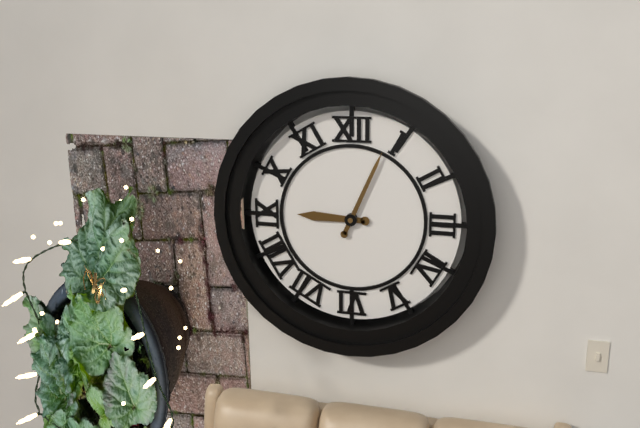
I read {"hour": 9, "minute": 4}
